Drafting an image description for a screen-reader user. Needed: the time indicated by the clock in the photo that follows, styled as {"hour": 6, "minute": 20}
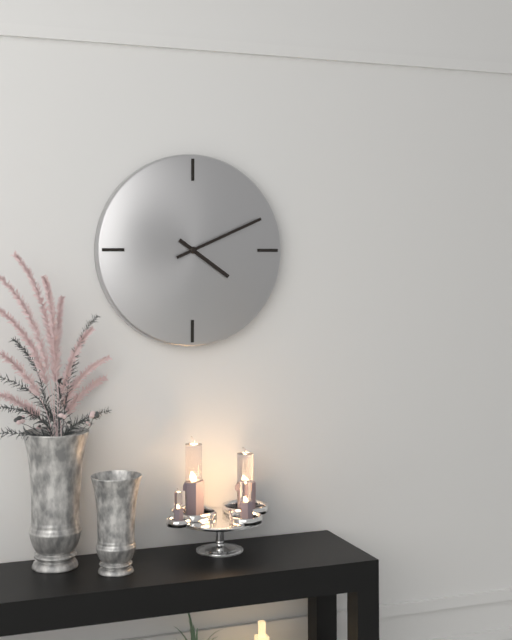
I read {"hour": 4, "minute": 11}
